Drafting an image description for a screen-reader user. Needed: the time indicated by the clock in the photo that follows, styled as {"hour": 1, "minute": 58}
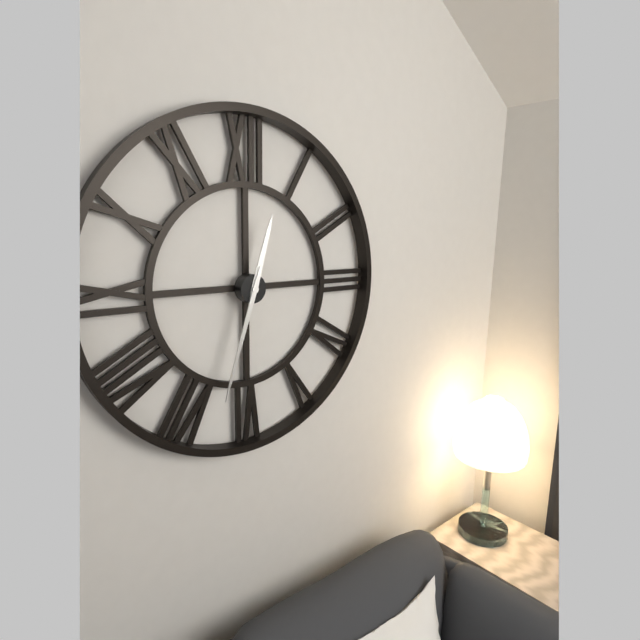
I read {"hour": 12, "minute": 33}
